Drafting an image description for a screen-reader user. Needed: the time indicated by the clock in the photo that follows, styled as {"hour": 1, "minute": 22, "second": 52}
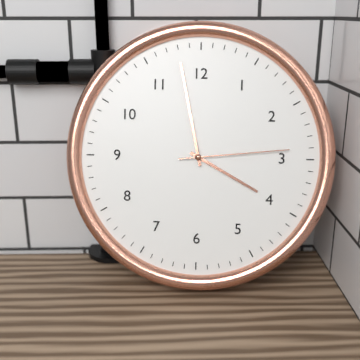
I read {"hour": 3, "minute": 58, "second": 14}
